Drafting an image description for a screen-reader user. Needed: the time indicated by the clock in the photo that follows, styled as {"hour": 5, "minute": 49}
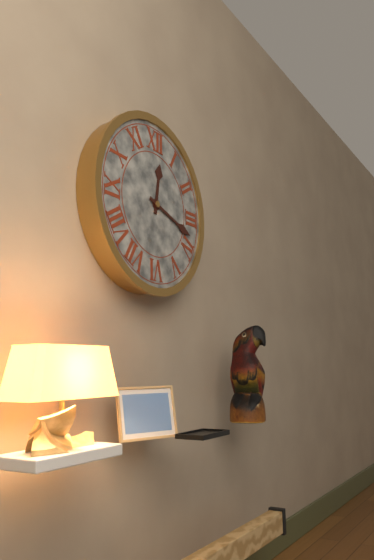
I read {"hour": 12, "minute": 18}
